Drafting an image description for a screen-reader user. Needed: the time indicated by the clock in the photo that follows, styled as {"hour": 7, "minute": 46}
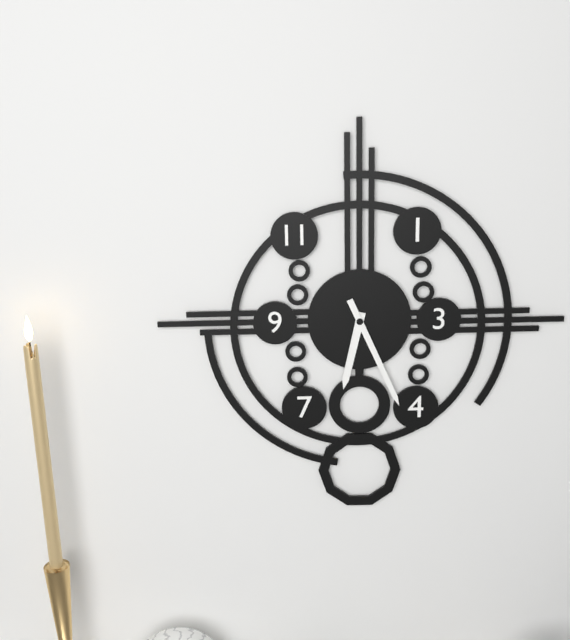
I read {"hour": 6, "minute": 26}
